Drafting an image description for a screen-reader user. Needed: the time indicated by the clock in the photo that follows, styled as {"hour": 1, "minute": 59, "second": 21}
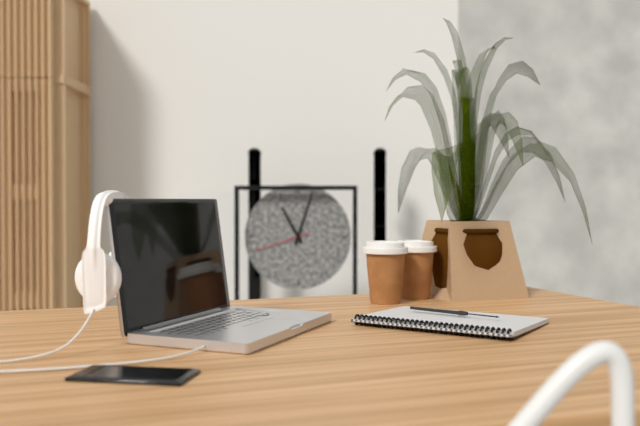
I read {"hour": 11, "minute": 3, "second": 42}
